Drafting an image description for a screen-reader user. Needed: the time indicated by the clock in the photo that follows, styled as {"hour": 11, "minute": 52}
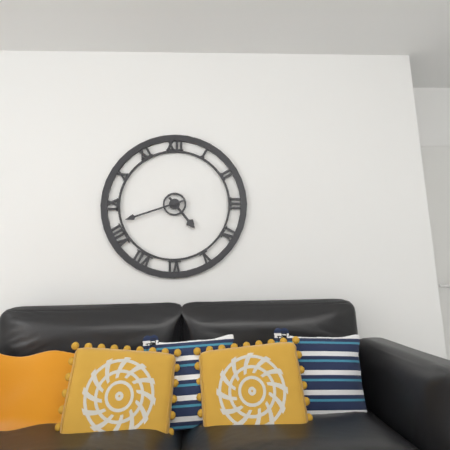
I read {"hour": 4, "minute": 42}
